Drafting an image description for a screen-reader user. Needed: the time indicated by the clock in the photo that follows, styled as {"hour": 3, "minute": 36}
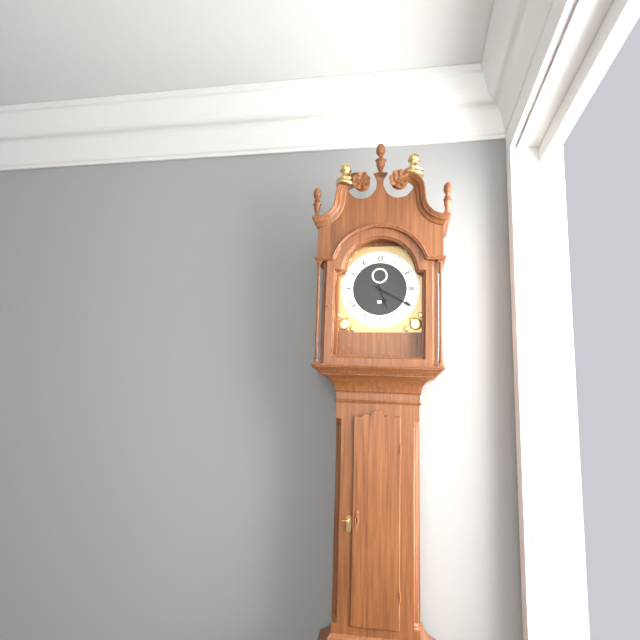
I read {"hour": 5, "minute": 20}
